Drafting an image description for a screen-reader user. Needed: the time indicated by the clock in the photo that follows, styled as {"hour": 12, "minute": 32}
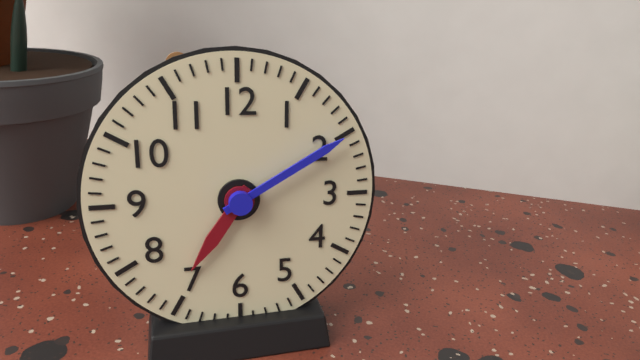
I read {"hour": 7, "minute": 10}
